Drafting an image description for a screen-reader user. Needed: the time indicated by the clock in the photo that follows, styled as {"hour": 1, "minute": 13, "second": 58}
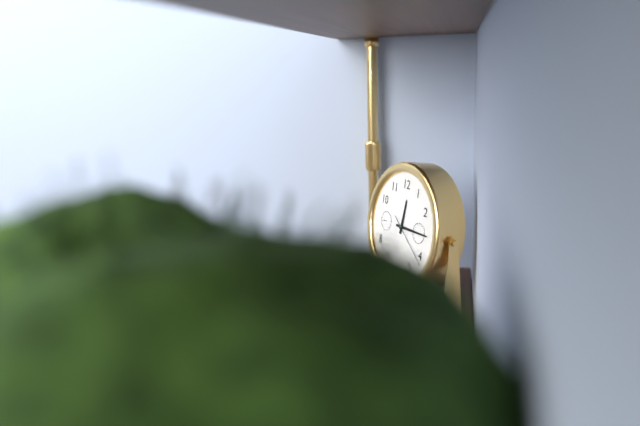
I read {"hour": 12, "minute": 15, "second": 21}
